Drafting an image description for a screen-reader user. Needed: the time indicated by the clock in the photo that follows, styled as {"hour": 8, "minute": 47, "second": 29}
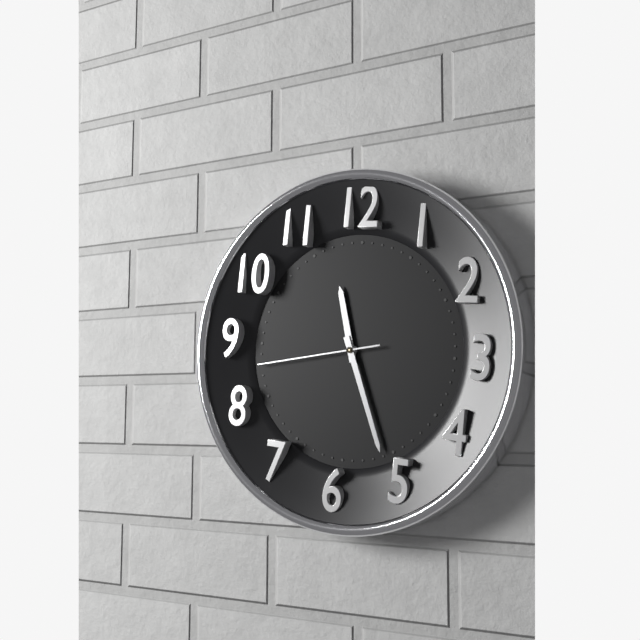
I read {"hour": 11, "minute": 26, "second": 43}
